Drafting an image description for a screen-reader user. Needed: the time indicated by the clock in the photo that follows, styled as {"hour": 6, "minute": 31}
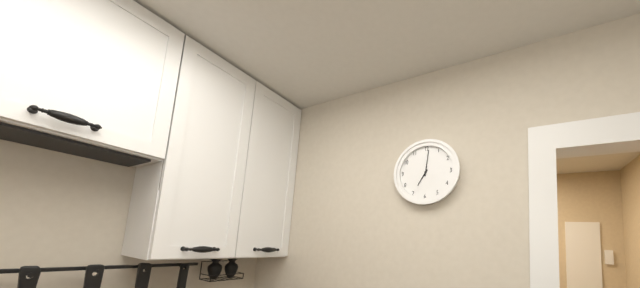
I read {"hour": 7, "minute": 1}
